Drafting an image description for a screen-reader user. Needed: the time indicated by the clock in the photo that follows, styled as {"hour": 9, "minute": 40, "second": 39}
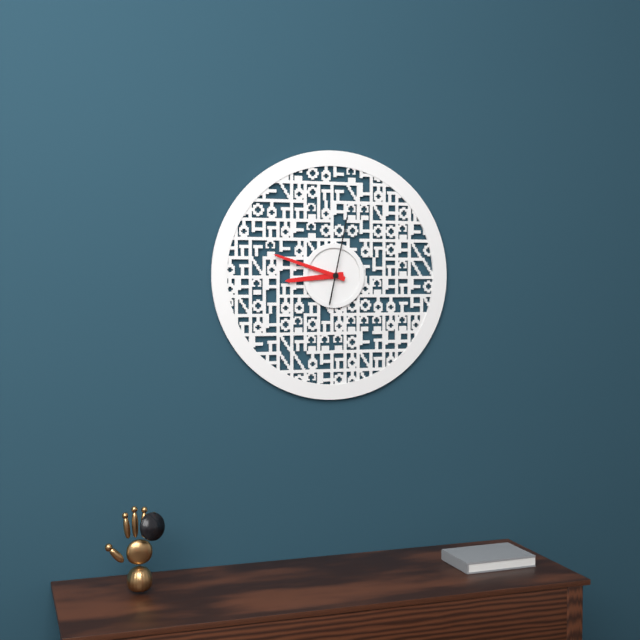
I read {"hour": 8, "minute": 48, "second": 2}
